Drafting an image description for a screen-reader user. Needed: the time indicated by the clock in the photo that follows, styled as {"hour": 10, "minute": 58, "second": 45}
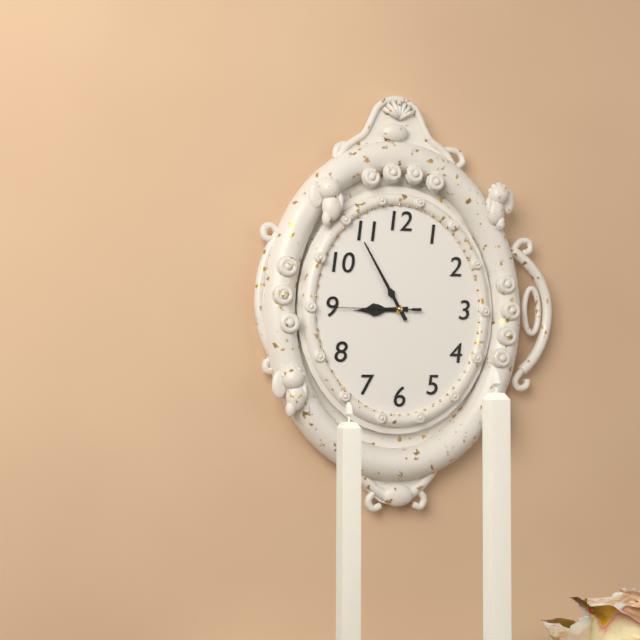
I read {"hour": 8, "minute": 55, "second": 45}
